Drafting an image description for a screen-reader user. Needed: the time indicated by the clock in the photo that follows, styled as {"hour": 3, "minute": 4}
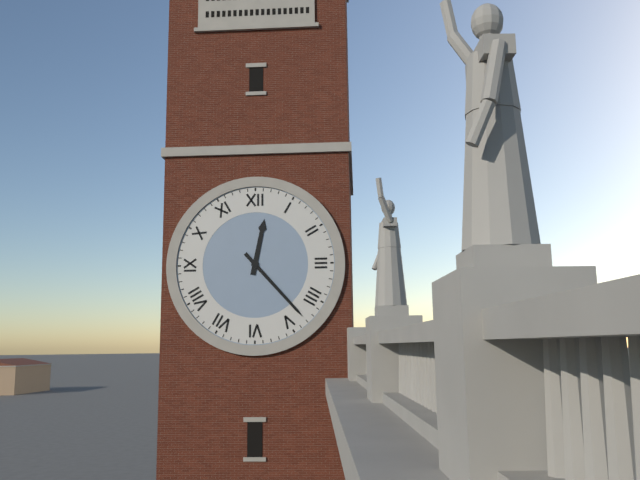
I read {"hour": 12, "minute": 23}
